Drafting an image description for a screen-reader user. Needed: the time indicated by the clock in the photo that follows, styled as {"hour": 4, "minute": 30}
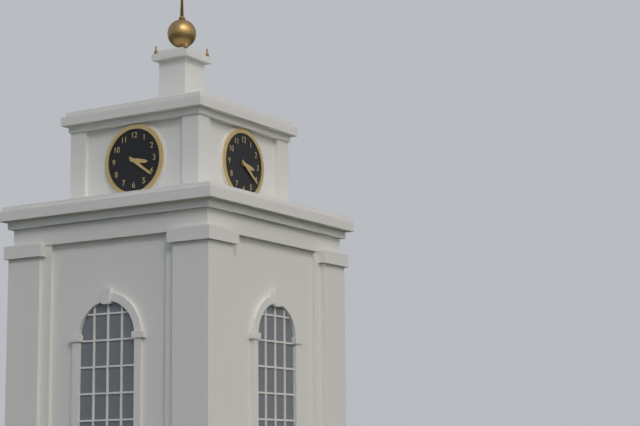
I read {"hour": 3, "minute": 21}
